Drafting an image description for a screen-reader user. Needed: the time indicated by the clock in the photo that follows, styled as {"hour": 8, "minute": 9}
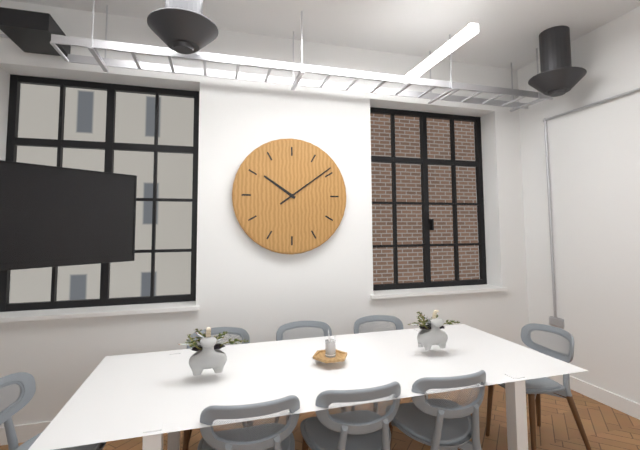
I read {"hour": 10, "minute": 9}
